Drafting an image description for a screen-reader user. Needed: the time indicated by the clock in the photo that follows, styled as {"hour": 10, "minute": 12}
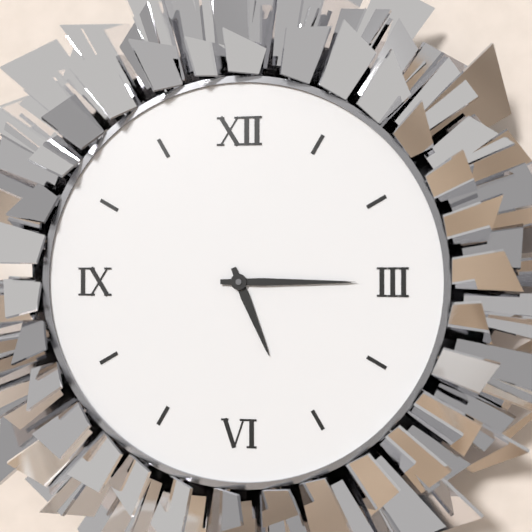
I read {"hour": 5, "minute": 15}
